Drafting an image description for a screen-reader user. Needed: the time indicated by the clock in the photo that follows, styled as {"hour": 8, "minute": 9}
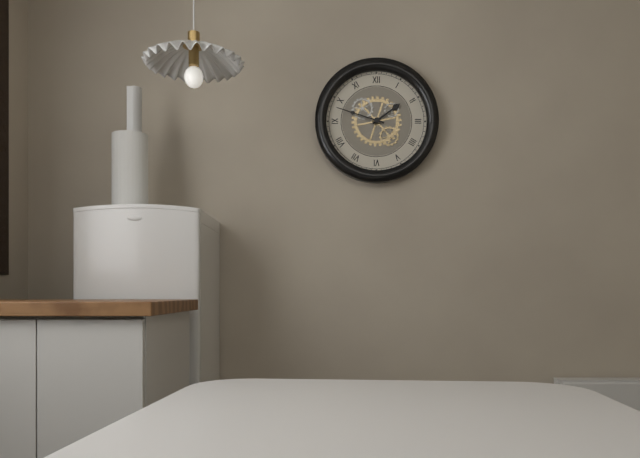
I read {"hour": 1, "minute": 48}
